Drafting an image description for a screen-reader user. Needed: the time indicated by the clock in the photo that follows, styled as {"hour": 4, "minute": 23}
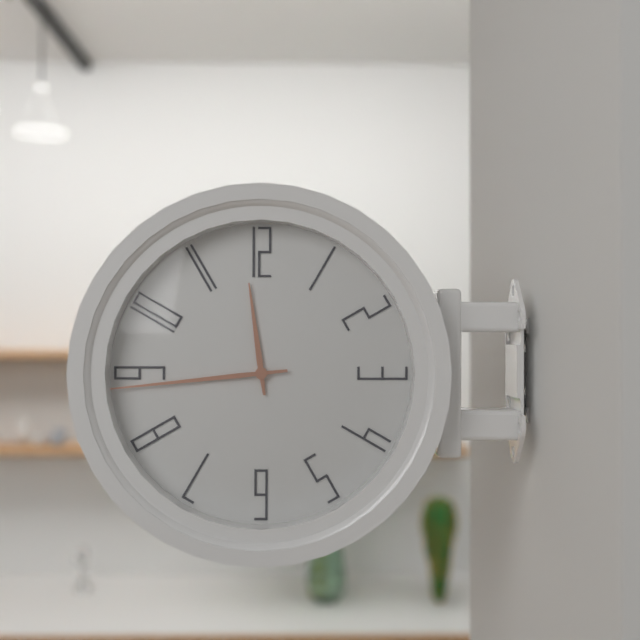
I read {"hour": 11, "minute": 44}
